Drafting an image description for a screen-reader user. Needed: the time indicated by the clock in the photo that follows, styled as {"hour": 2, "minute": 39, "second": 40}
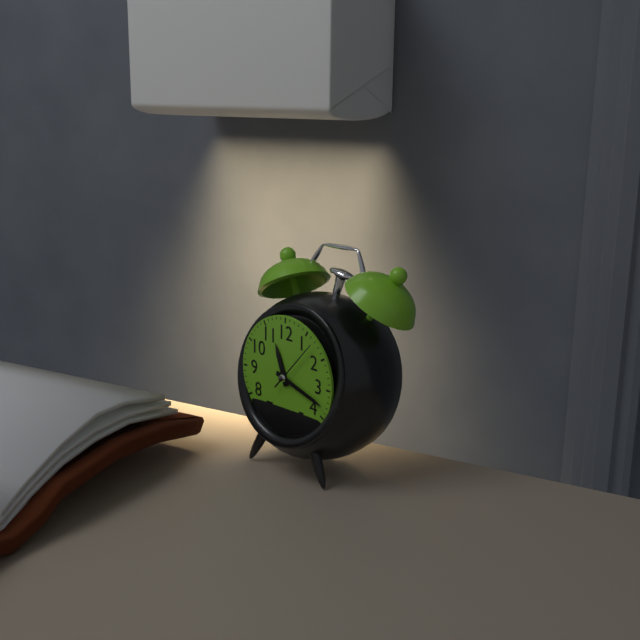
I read {"hour": 11, "minute": 18, "second": 7}
